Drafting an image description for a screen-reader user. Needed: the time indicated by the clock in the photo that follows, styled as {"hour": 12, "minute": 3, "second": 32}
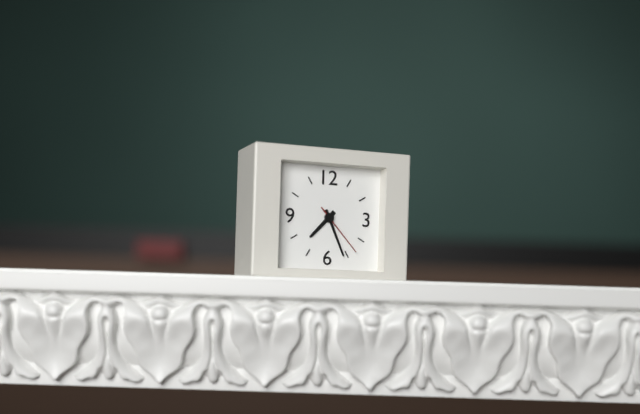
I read {"hour": 7, "minute": 26, "second": 23}
